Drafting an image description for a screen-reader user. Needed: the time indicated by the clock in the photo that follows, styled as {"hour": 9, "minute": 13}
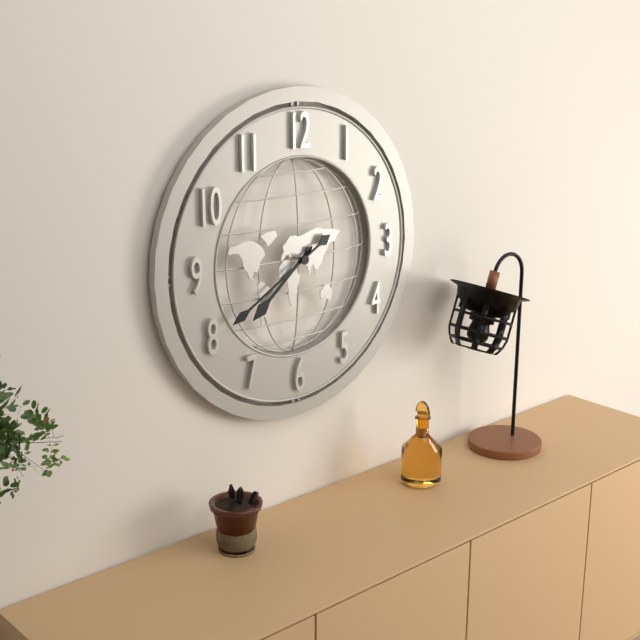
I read {"hour": 7, "minute": 40}
